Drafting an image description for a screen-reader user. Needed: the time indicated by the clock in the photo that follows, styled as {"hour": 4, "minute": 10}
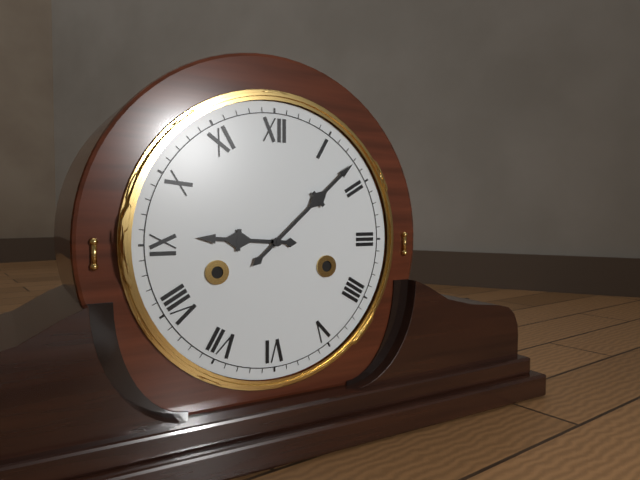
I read {"hour": 9, "minute": 8}
